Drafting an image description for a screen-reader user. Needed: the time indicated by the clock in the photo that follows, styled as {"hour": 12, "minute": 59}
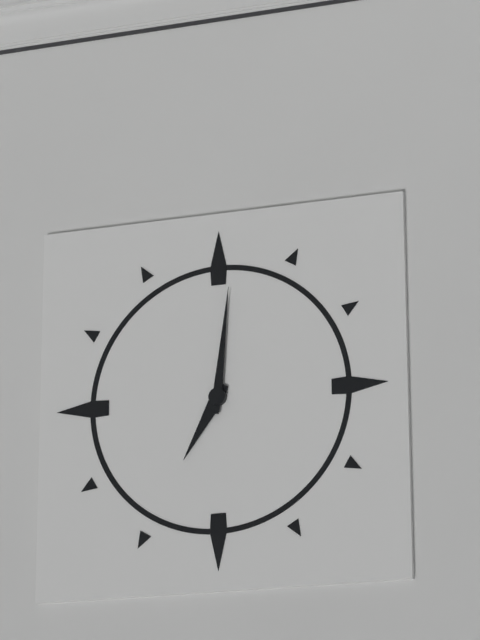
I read {"hour": 7, "minute": 1}
